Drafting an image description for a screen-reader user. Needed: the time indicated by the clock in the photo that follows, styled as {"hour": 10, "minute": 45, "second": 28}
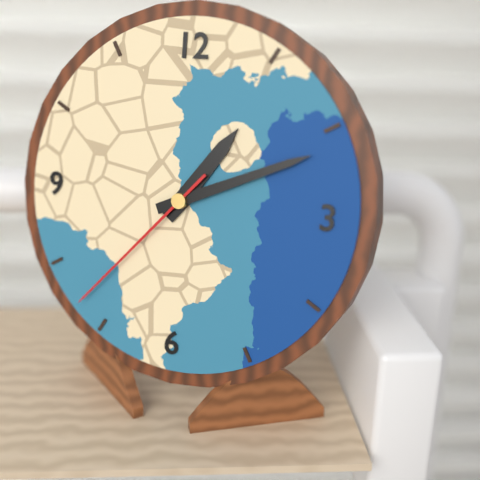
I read {"hour": 1, "minute": 11, "second": 37}
